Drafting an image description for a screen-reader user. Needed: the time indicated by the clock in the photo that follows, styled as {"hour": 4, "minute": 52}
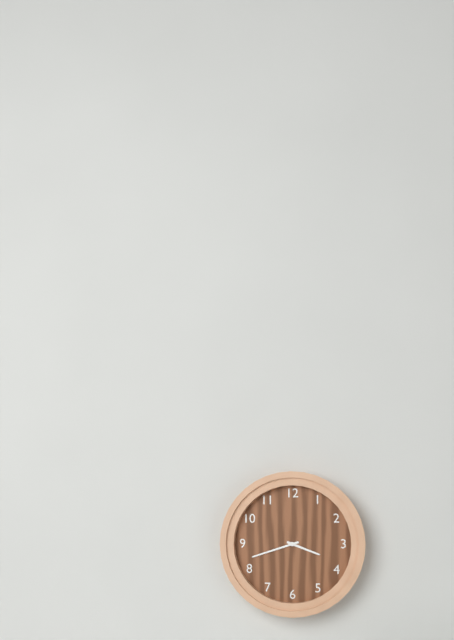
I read {"hour": 3, "minute": 42}
